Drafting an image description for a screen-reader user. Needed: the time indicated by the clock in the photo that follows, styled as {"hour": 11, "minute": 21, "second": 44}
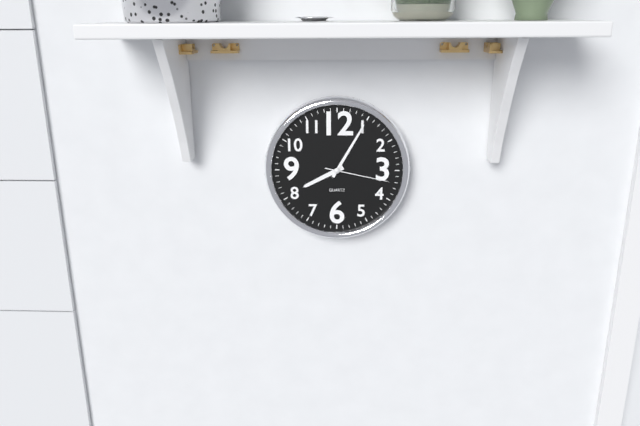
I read {"hour": 8, "minute": 5, "second": 17}
